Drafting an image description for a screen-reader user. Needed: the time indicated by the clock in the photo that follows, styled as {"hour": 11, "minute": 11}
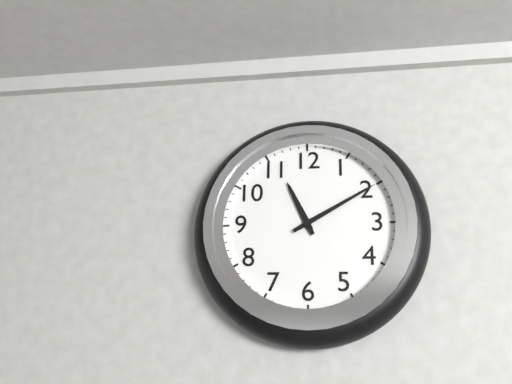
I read {"hour": 11, "minute": 10}
